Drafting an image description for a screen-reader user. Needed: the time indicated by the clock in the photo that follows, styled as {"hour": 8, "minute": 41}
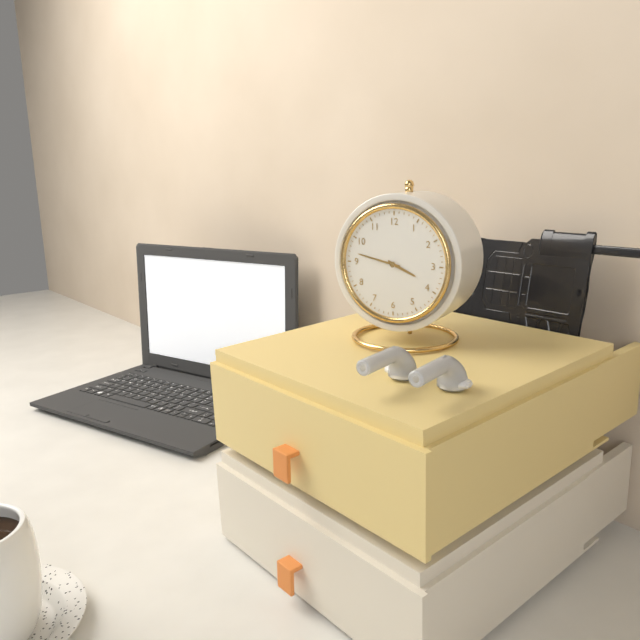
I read {"hour": 3, "minute": 47}
